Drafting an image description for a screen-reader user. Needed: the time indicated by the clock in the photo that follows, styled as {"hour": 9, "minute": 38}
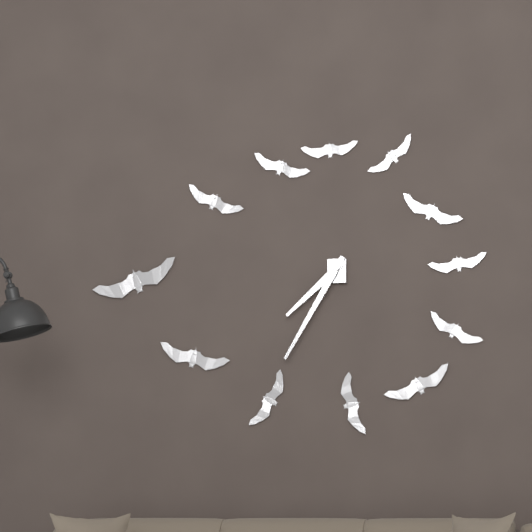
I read {"hour": 7, "minute": 35}
